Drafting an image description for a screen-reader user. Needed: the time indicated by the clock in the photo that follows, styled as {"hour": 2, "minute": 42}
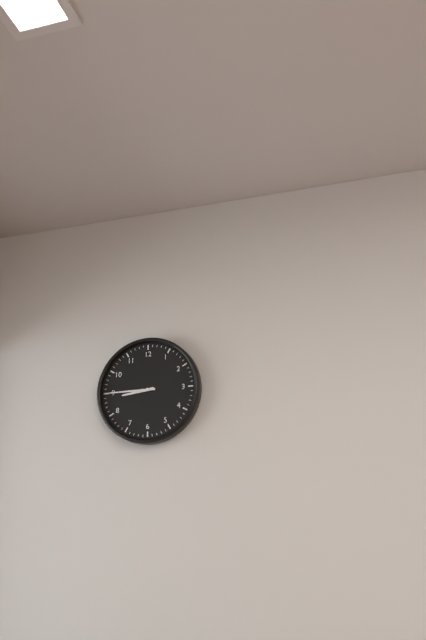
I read {"hour": 8, "minute": 45}
